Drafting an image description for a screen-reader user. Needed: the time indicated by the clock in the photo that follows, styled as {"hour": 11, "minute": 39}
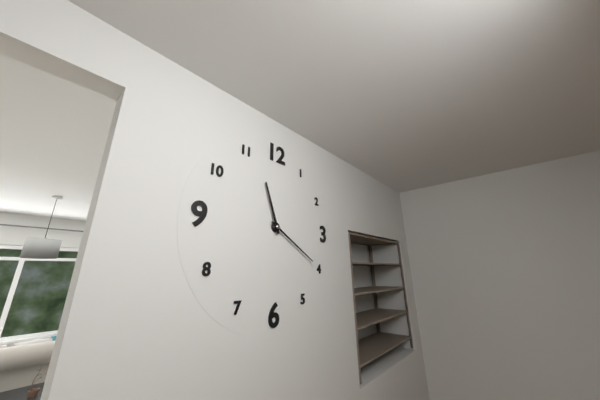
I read {"hour": 11, "minute": 20}
